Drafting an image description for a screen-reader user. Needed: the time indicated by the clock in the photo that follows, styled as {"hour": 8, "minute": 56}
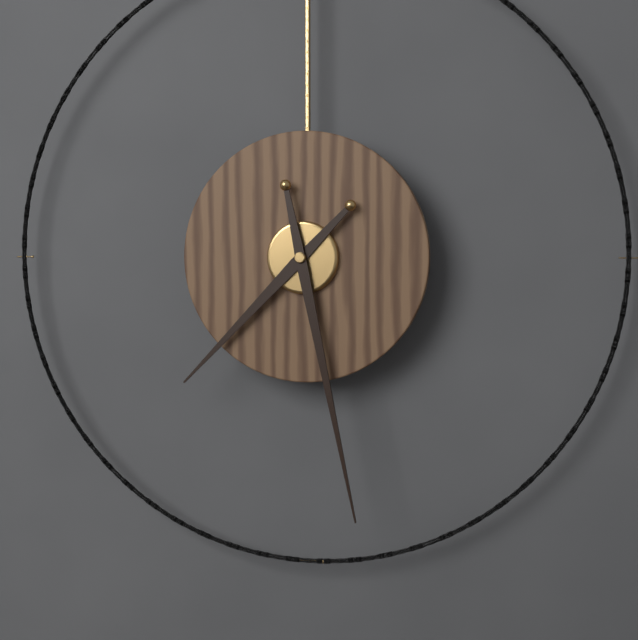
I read {"hour": 7, "minute": 28}
